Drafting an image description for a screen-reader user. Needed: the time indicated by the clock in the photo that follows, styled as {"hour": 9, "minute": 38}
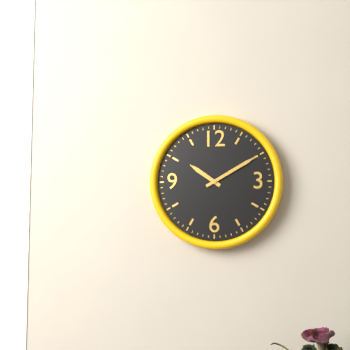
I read {"hour": 10, "minute": 10}
